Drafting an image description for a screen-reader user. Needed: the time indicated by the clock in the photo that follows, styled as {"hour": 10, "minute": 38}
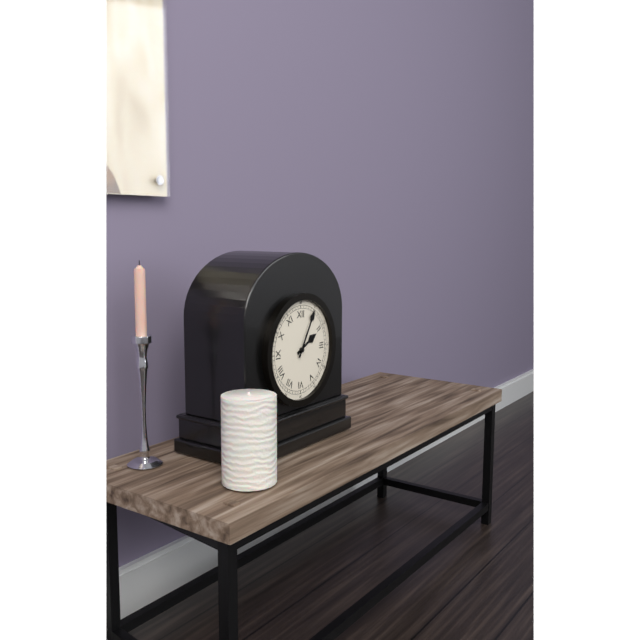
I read {"hour": 2, "minute": 5}
